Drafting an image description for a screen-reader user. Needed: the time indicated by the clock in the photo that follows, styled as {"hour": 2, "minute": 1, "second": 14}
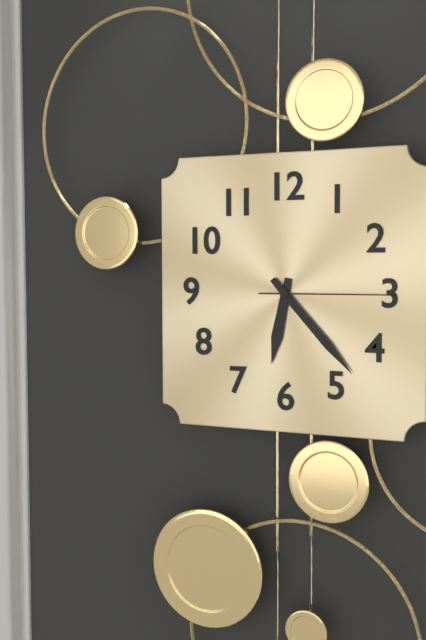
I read {"hour": 6, "minute": 23, "second": 15}
